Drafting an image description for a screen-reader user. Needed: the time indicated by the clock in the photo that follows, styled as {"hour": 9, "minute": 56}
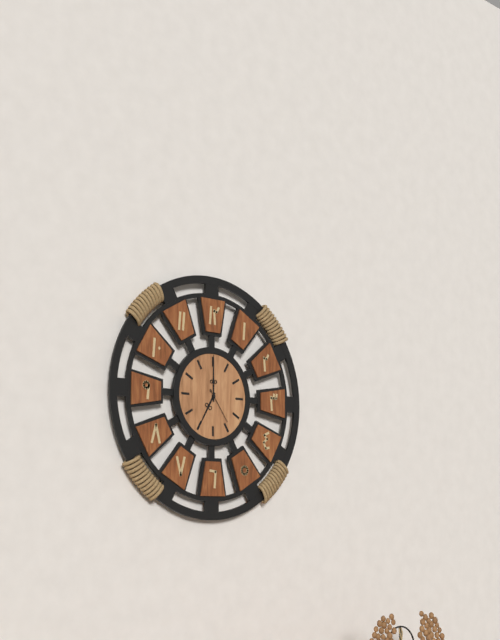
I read {"hour": 7, "minute": 0}
